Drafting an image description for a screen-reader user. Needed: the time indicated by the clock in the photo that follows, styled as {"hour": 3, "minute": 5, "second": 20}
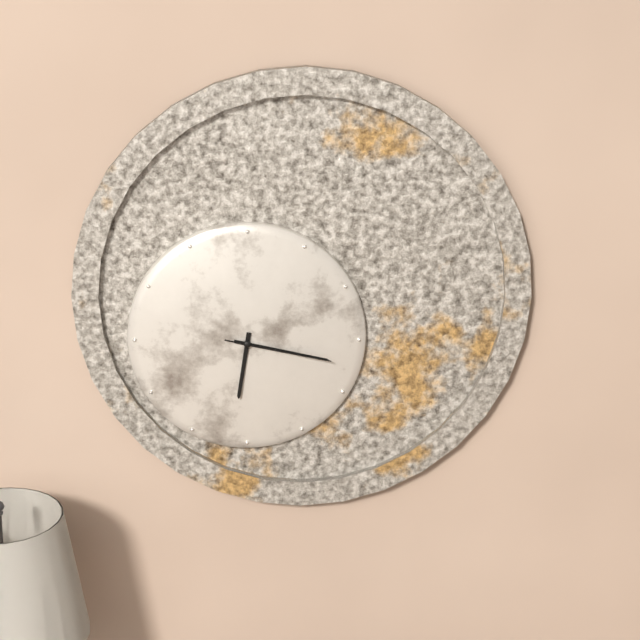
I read {"hour": 6, "minute": 17, "second": 17}
